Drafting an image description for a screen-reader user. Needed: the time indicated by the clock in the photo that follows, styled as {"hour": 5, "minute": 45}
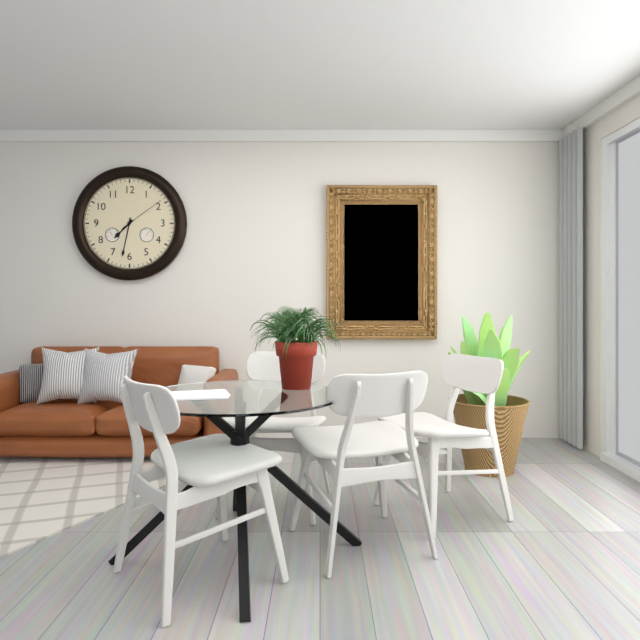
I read {"hour": 7, "minute": 32}
